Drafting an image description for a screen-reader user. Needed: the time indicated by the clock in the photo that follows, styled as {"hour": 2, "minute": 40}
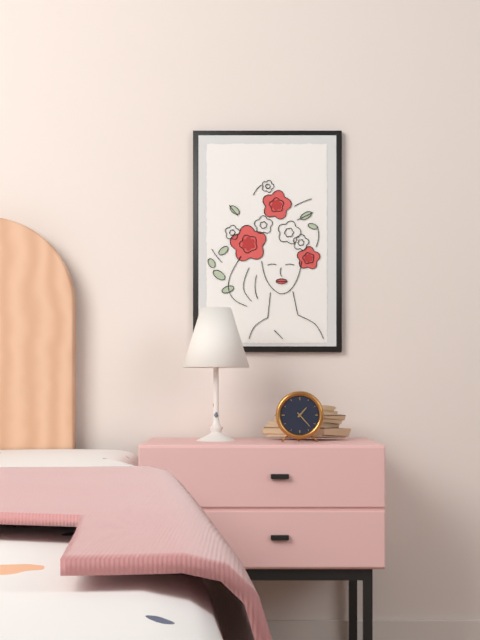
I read {"hour": 1, "minute": 23}
